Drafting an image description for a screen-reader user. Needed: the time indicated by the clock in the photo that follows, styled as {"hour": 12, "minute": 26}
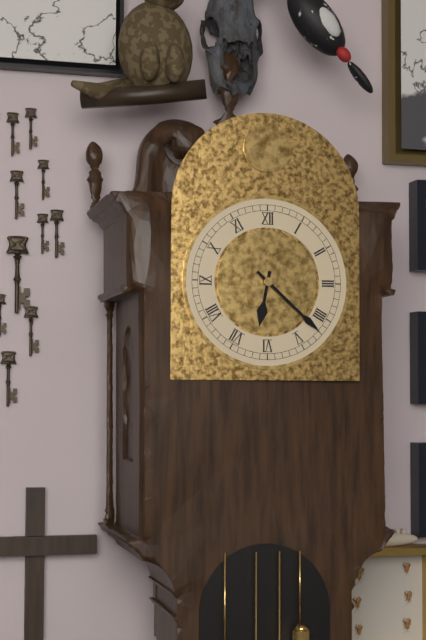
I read {"hour": 6, "minute": 22}
